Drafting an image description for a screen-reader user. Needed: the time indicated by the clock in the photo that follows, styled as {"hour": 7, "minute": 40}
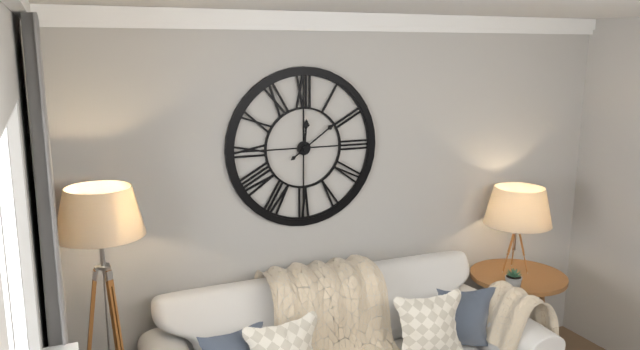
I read {"hour": 12, "minute": 9}
